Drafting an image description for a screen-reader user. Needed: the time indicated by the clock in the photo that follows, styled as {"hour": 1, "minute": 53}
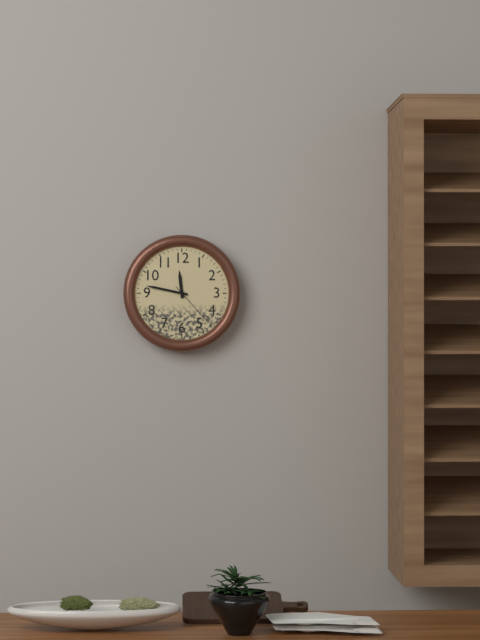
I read {"hour": 11, "minute": 47}
